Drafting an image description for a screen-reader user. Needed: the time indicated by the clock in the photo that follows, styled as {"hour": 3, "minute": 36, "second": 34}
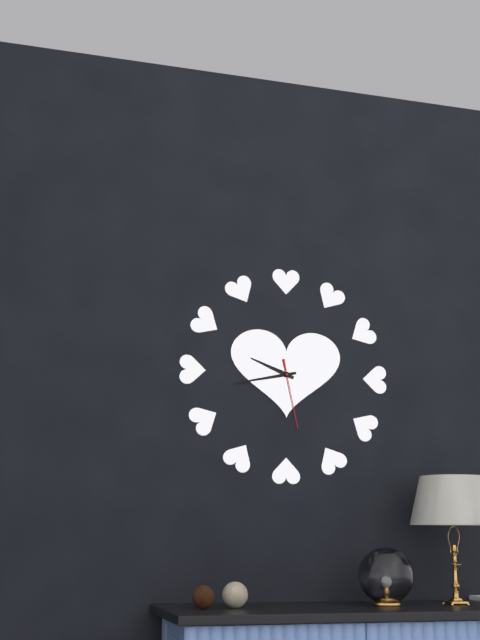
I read {"hour": 9, "minute": 43, "second": 28}
